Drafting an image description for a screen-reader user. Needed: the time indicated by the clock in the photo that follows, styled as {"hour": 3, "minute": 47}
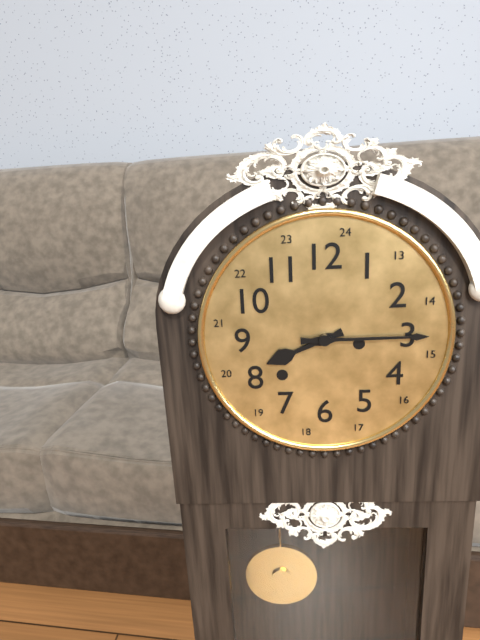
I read {"hour": 8, "minute": 15}
